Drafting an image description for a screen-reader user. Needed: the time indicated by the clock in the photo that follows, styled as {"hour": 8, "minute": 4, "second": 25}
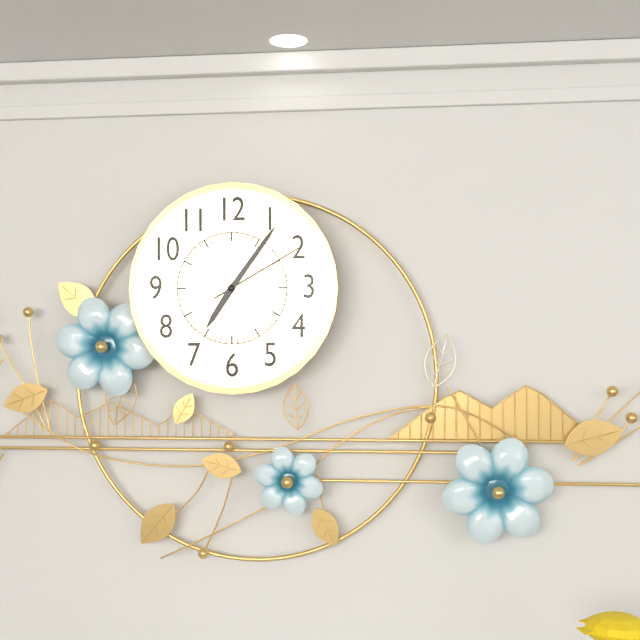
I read {"hour": 7, "minute": 6, "second": 10}
